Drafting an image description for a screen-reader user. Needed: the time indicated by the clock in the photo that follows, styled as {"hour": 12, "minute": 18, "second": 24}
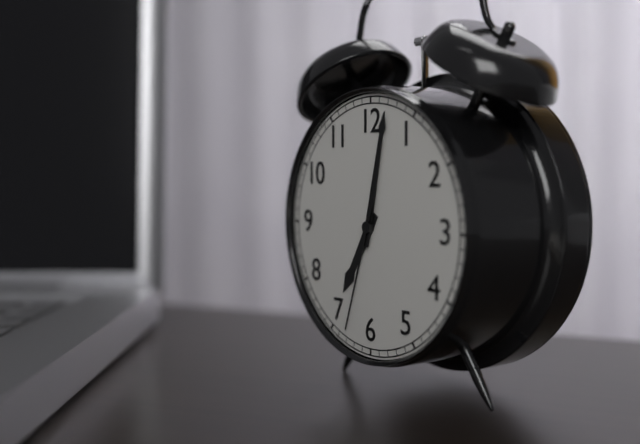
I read {"hour": 7, "minute": 2, "second": 33}
